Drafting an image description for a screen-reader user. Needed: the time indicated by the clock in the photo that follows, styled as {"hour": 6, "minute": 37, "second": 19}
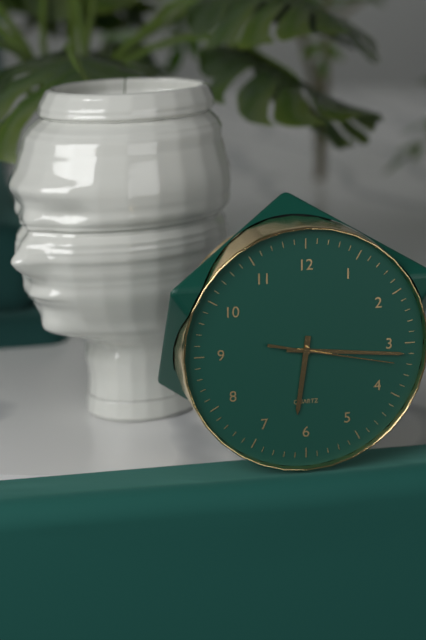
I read {"hour": 6, "minute": 16, "second": 17}
